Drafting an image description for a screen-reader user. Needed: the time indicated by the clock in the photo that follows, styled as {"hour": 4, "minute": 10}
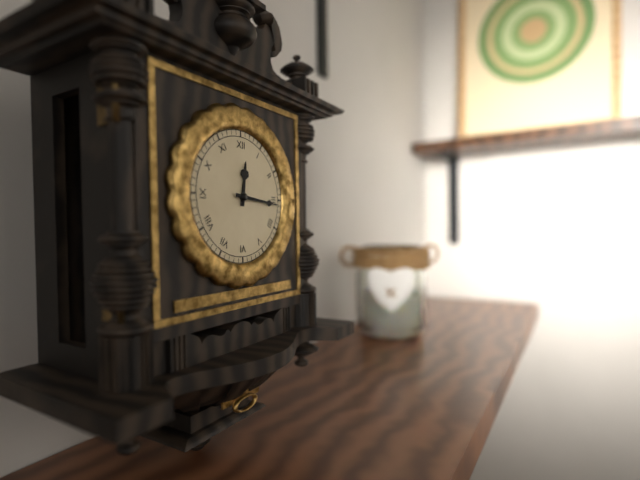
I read {"hour": 12, "minute": 16}
